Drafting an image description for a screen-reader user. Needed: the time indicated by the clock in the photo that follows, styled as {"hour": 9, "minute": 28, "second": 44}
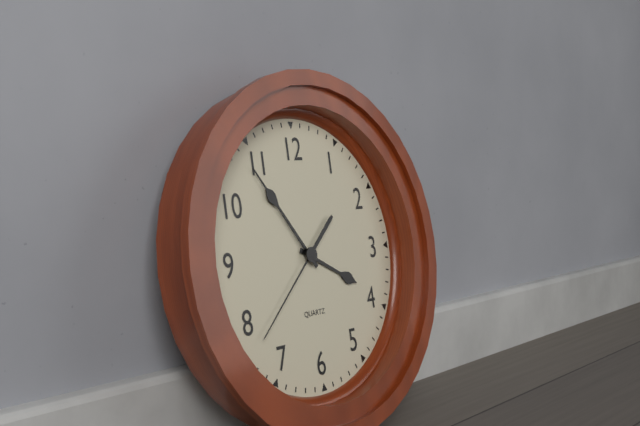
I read {"hour": 3, "minute": 54, "second": 38}
